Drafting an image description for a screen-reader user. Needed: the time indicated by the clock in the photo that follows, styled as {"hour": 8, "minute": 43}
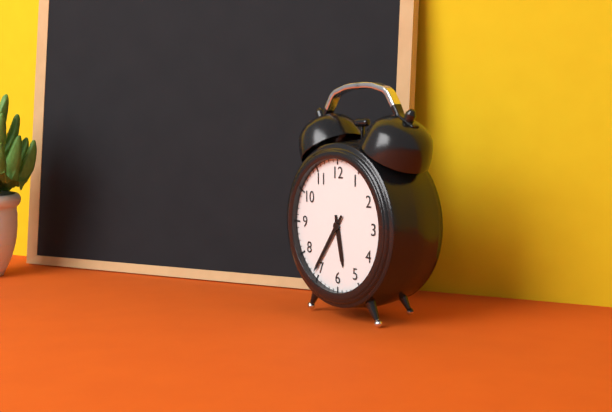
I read {"hour": 5, "minute": 36}
